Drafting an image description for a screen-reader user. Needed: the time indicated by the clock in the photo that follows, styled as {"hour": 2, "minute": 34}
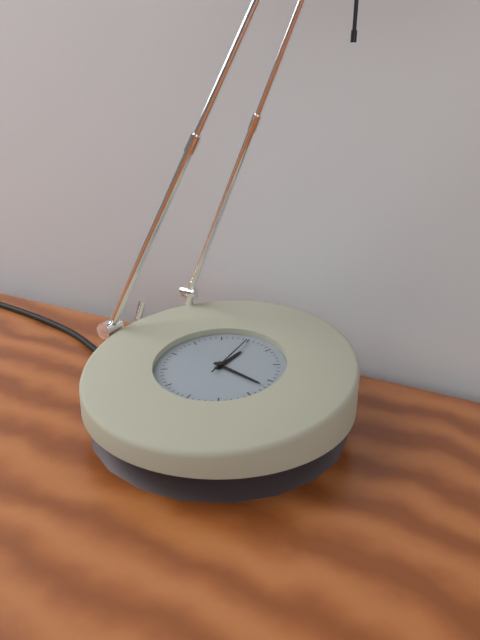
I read {"hour": 12, "minute": 17}
